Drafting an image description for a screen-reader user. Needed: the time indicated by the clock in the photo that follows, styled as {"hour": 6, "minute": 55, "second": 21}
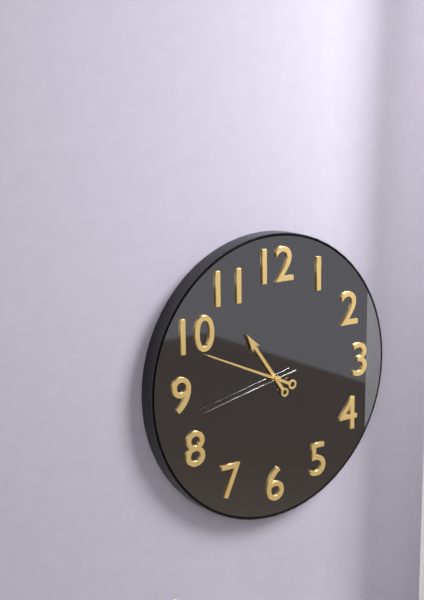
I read {"hour": 10, "minute": 49, "second": 43}
